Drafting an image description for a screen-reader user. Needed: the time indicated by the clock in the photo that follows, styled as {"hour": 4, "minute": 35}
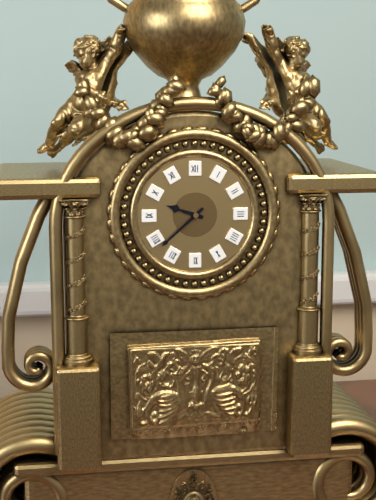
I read {"hour": 9, "minute": 38}
